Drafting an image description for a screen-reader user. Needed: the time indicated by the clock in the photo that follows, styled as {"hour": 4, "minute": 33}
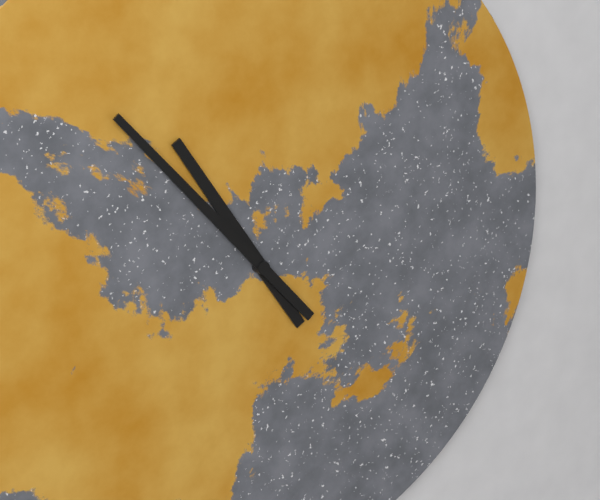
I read {"hour": 10, "minute": 53}
